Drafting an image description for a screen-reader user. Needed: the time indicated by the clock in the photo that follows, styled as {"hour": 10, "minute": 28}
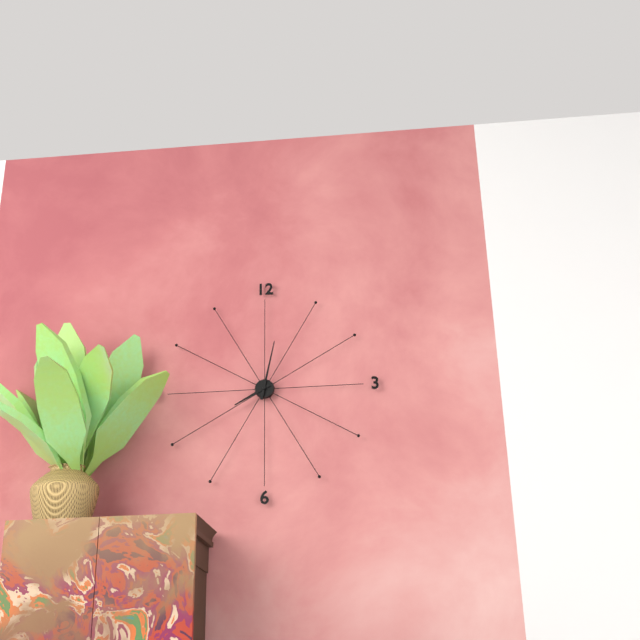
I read {"hour": 8, "minute": 2}
